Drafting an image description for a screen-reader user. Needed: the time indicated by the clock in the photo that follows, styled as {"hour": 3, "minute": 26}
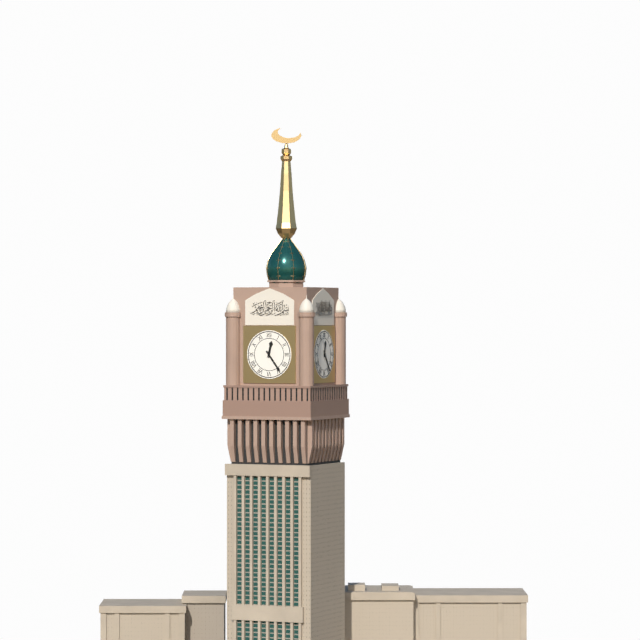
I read {"hour": 12, "minute": 24}
